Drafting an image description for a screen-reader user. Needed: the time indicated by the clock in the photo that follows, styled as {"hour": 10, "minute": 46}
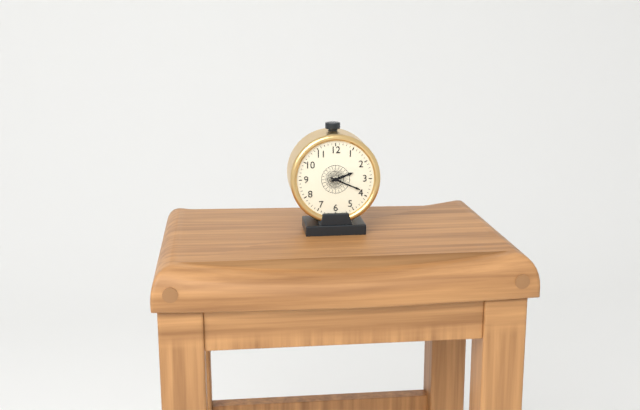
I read {"hour": 2, "minute": 19}
